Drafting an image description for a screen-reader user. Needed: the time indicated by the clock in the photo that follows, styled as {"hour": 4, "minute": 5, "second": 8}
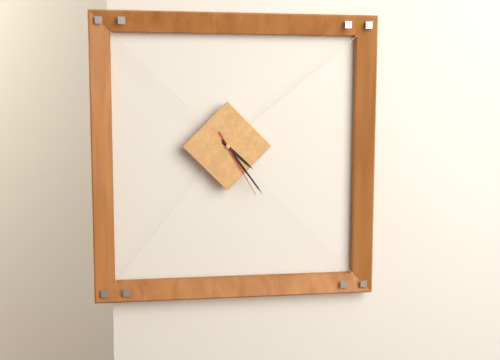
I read {"hour": 4, "minute": 24, "second": 25}
